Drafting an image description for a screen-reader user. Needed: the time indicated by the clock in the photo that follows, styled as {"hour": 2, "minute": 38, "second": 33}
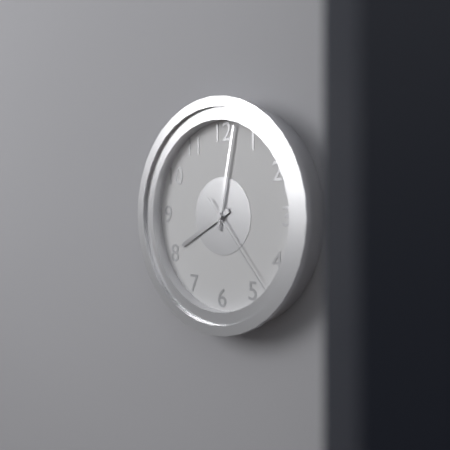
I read {"hour": 8, "minute": 2, "second": 23}
